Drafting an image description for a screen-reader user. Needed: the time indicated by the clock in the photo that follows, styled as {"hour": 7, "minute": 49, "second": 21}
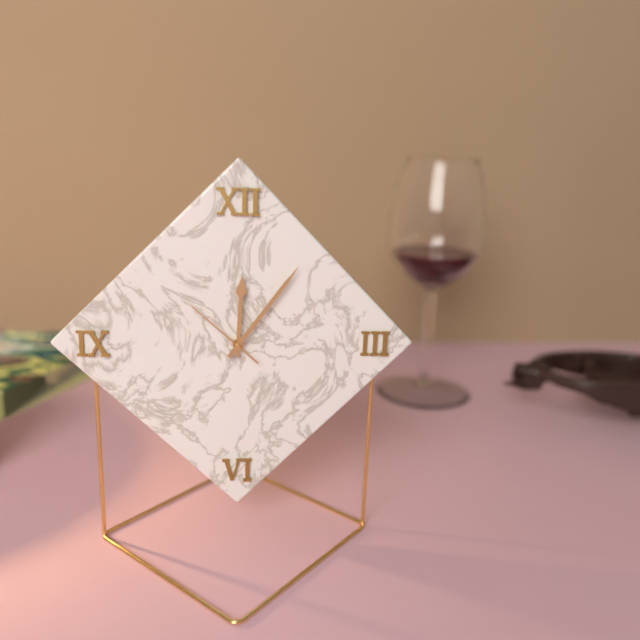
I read {"hour": 12, "minute": 6, "second": 52}
